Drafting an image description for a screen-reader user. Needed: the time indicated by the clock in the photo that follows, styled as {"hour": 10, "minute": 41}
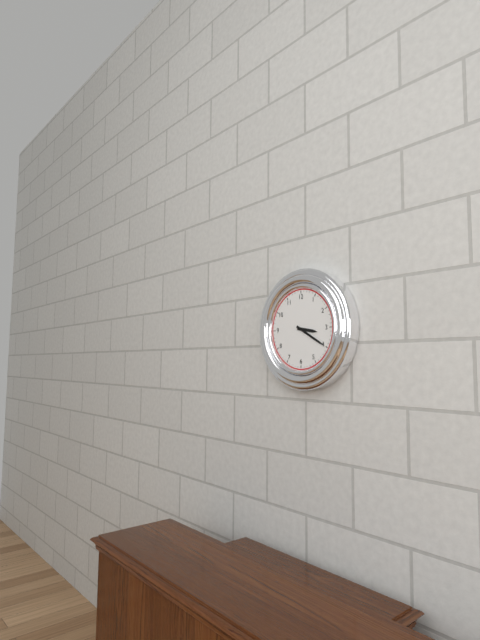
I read {"hour": 3, "minute": 20}
